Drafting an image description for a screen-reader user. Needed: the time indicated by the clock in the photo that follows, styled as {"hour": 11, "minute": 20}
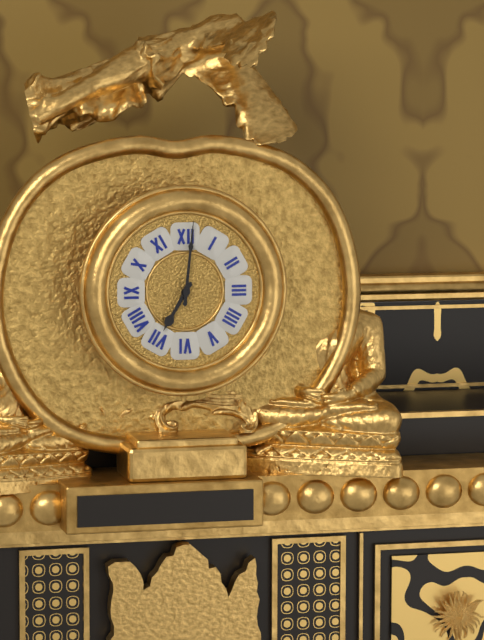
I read {"hour": 7, "minute": 1}
